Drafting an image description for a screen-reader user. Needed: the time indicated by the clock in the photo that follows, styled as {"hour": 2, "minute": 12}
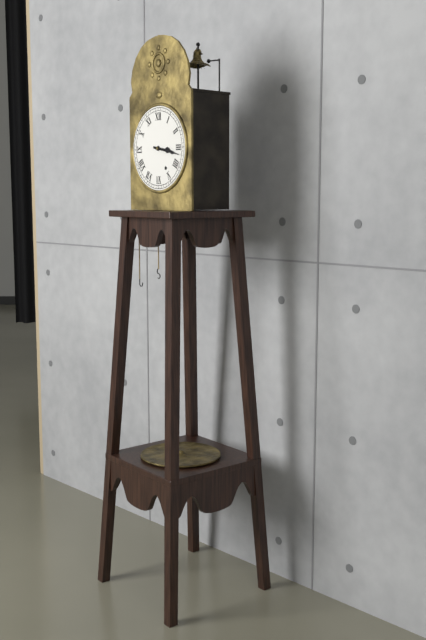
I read {"hour": 3, "minute": 17}
